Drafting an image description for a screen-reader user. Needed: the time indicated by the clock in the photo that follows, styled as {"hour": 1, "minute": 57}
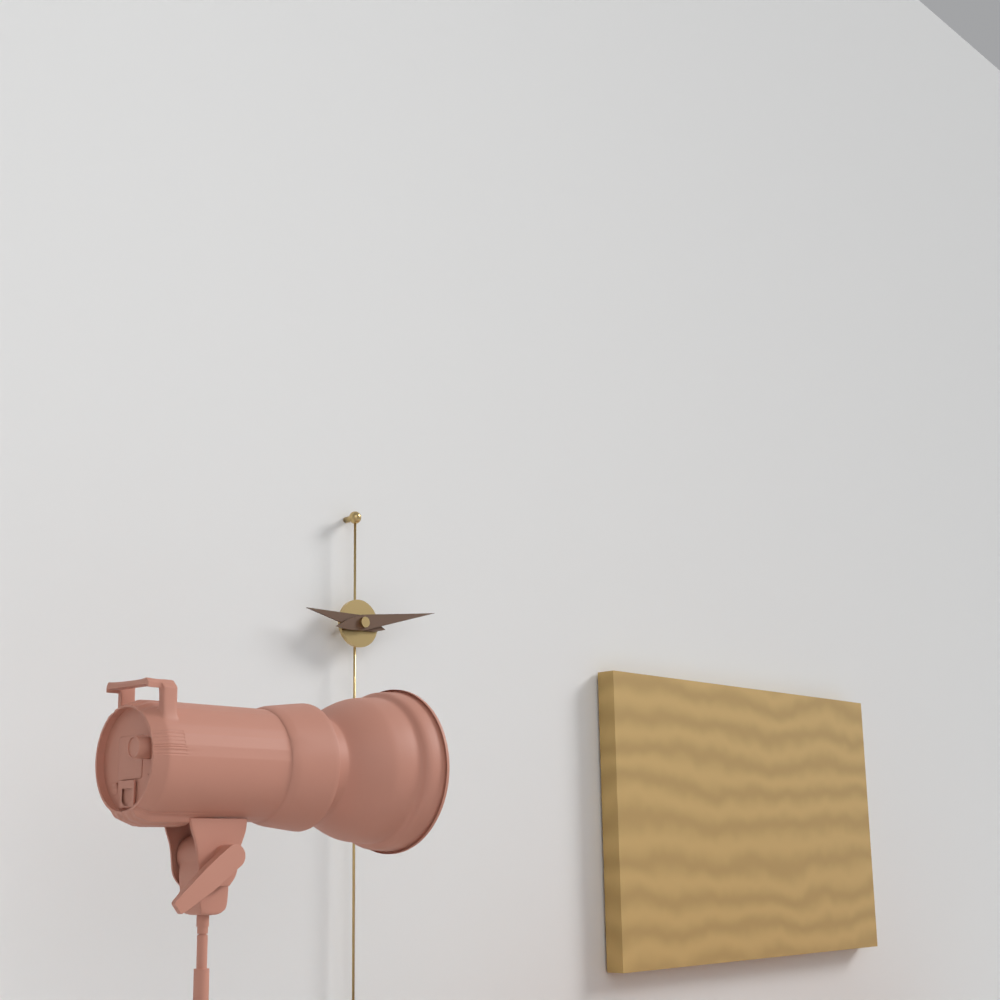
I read {"hour": 9, "minute": 13}
